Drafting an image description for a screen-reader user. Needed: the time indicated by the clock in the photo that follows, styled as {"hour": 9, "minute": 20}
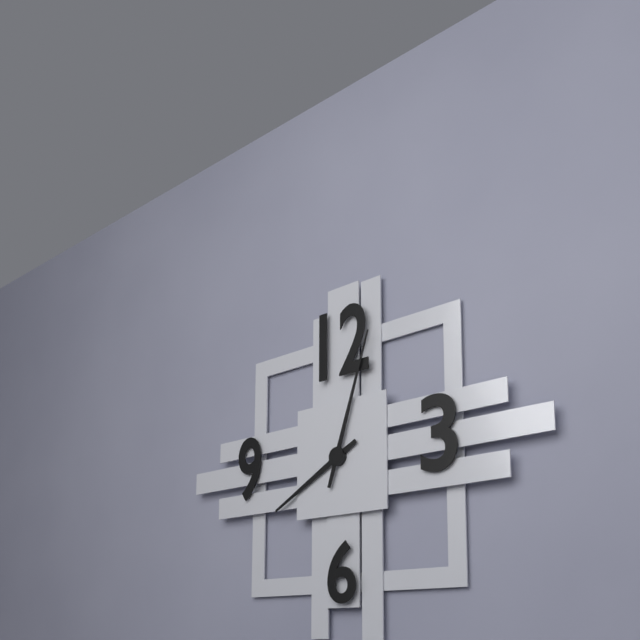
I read {"hour": 8, "minute": 3}
